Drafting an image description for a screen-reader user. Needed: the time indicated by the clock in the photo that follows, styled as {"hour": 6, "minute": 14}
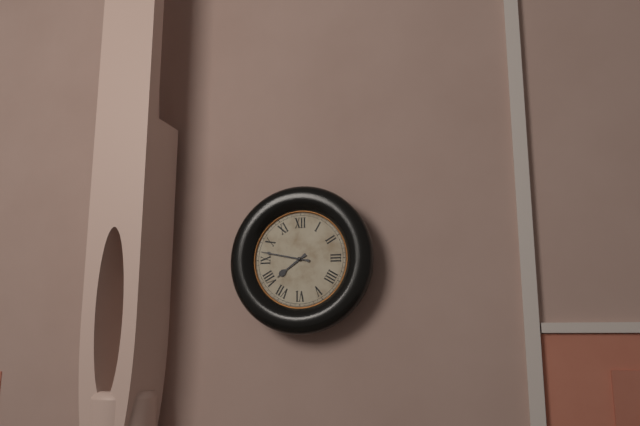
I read {"hour": 7, "minute": 47}
